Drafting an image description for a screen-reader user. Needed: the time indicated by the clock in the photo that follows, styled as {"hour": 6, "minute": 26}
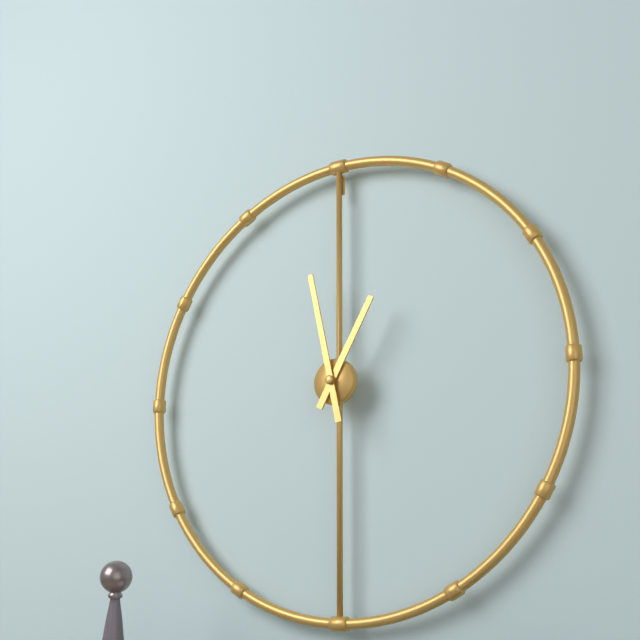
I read {"hour": 12, "minute": 58}
